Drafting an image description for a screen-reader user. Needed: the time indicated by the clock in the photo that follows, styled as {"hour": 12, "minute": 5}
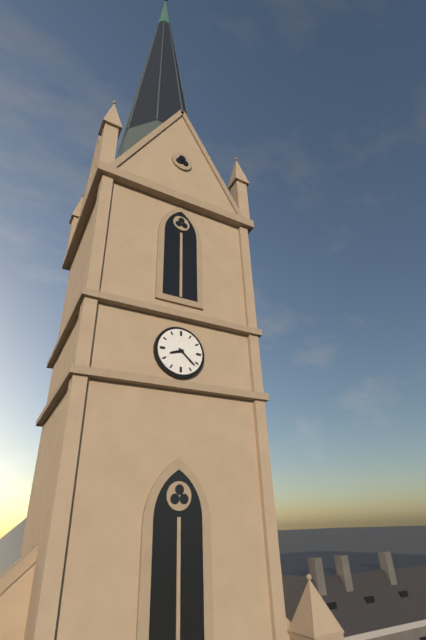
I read {"hour": 8, "minute": 22}
